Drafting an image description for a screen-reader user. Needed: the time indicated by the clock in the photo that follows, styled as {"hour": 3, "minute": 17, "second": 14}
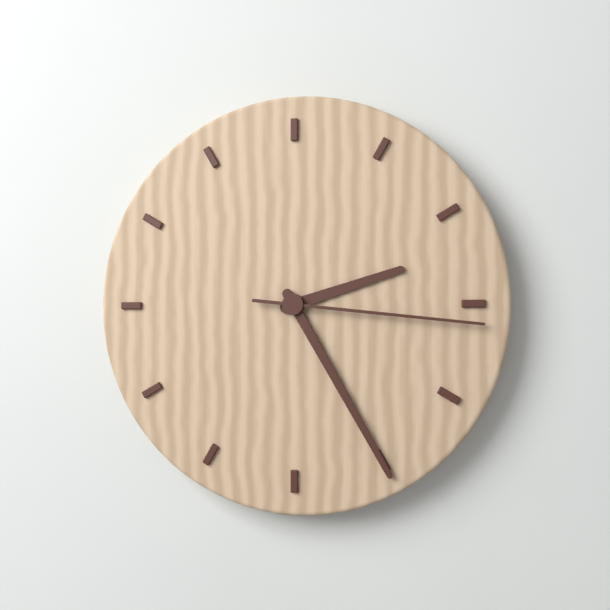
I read {"hour": 2, "minute": 25, "second": 16}
